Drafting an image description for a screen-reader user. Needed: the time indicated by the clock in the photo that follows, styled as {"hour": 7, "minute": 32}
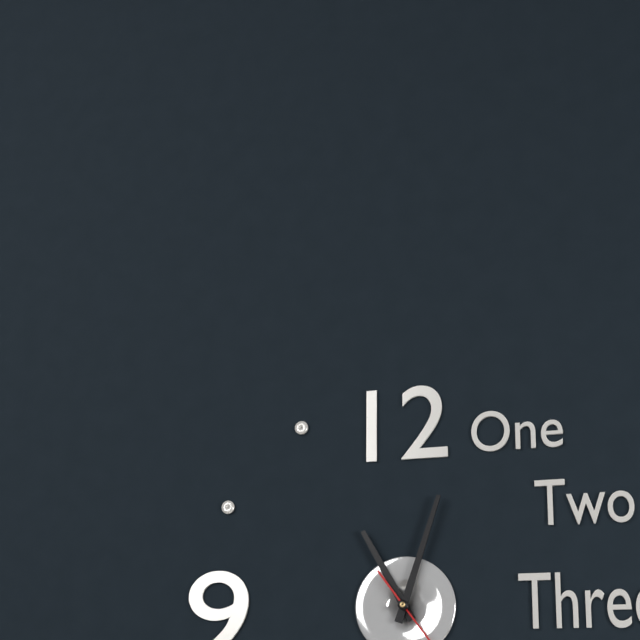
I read {"hour": 11, "minute": 3}
